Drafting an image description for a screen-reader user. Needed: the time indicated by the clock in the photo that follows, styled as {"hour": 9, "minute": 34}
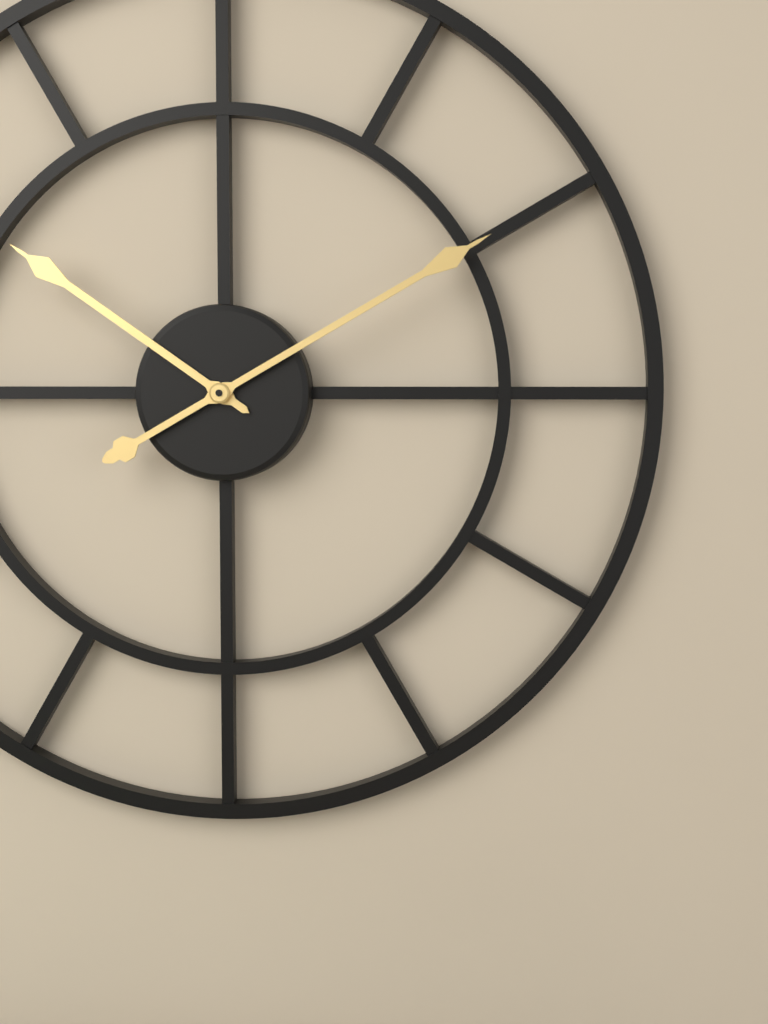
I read {"hour": 10, "minute": 10}
